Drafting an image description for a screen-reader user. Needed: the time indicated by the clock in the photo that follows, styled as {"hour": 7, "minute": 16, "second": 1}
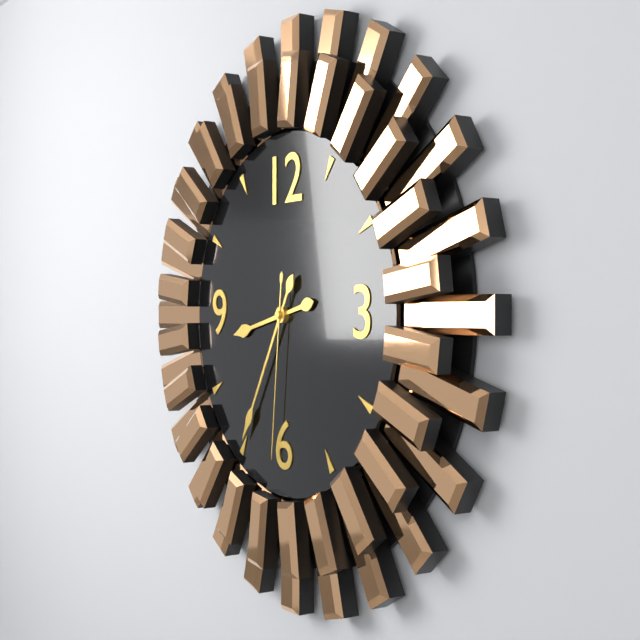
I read {"hour": 8, "minute": 35, "second": 31}
